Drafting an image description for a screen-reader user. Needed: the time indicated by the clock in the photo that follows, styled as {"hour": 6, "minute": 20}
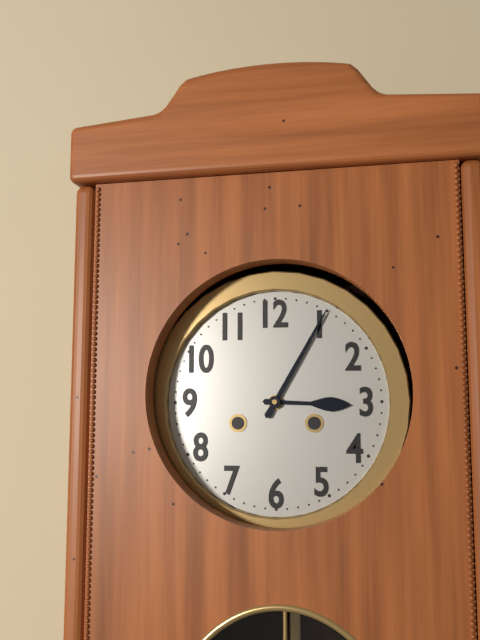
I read {"hour": 3, "minute": 5}
